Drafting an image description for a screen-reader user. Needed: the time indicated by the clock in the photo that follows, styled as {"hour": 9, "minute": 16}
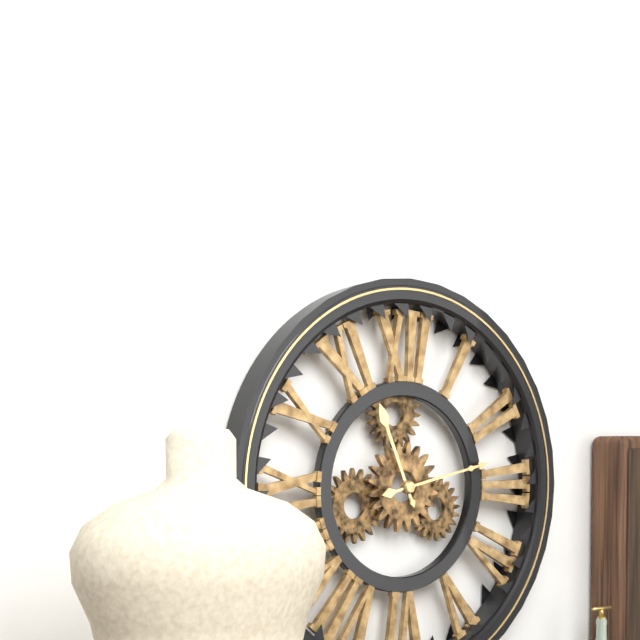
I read {"hour": 11, "minute": 13}
